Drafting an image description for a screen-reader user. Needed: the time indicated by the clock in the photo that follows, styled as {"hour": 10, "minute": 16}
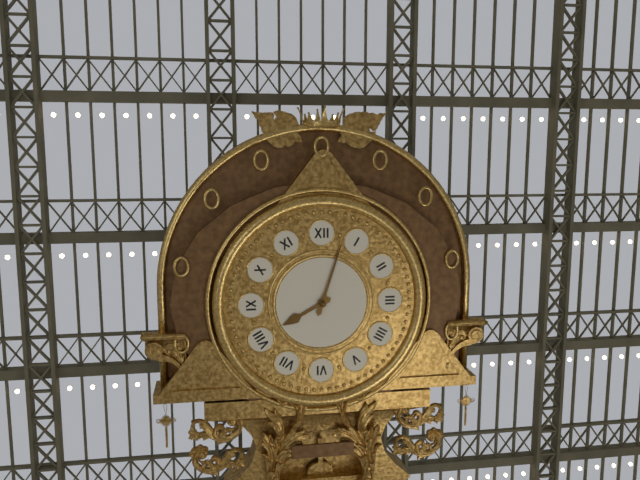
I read {"hour": 8, "minute": 3}
